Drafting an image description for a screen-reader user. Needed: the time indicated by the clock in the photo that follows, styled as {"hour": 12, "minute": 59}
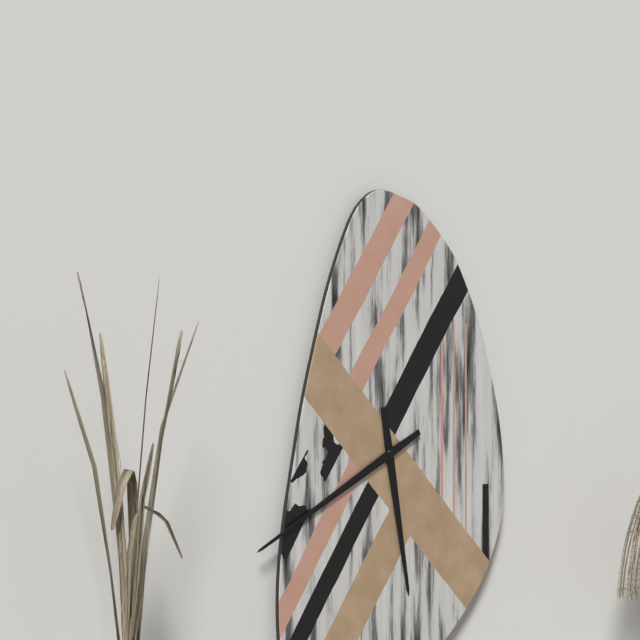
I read {"hour": 5, "minute": 40}
